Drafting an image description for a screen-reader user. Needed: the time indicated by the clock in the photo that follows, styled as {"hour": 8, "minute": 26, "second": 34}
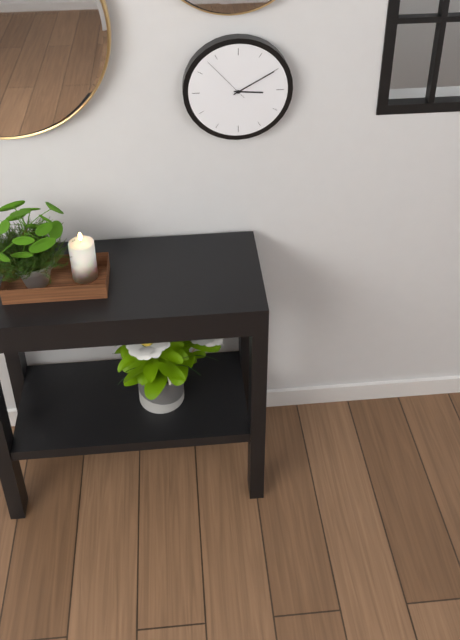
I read {"hour": 3, "minute": 10, "second": 53}
